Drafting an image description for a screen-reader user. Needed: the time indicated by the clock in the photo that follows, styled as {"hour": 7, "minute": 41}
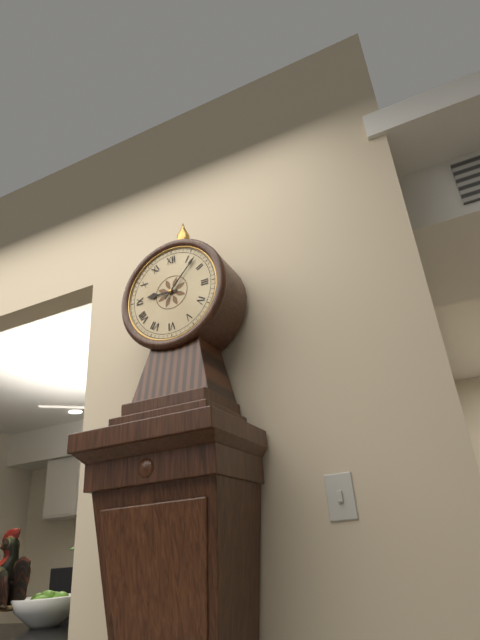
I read {"hour": 9, "minute": 7}
